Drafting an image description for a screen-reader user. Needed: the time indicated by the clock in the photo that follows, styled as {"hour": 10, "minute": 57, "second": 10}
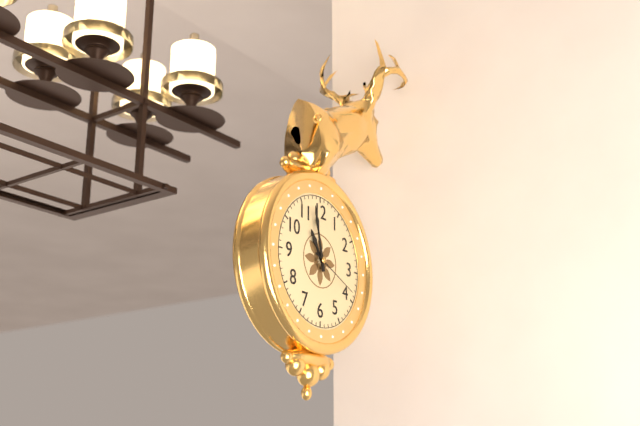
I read {"hour": 10, "minute": 58, "second": 19}
